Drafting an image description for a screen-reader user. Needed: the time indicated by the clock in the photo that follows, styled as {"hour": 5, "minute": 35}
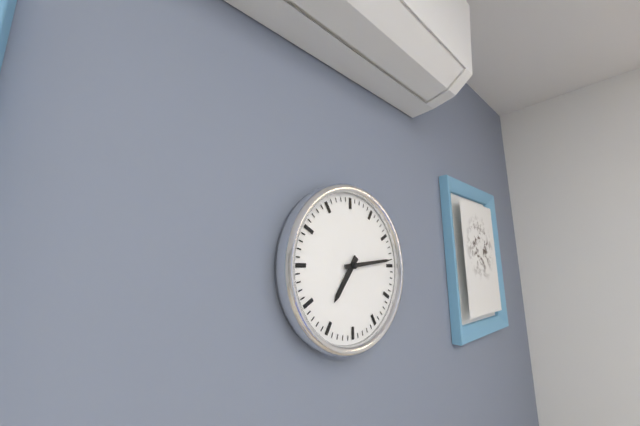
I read {"hour": 7, "minute": 14}
